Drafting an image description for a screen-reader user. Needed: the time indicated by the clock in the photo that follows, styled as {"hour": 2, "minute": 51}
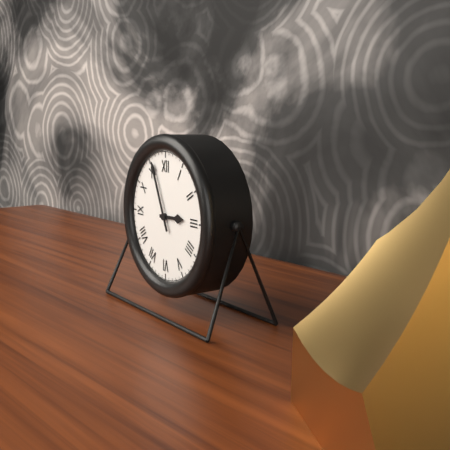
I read {"hour": 2, "minute": 56}
